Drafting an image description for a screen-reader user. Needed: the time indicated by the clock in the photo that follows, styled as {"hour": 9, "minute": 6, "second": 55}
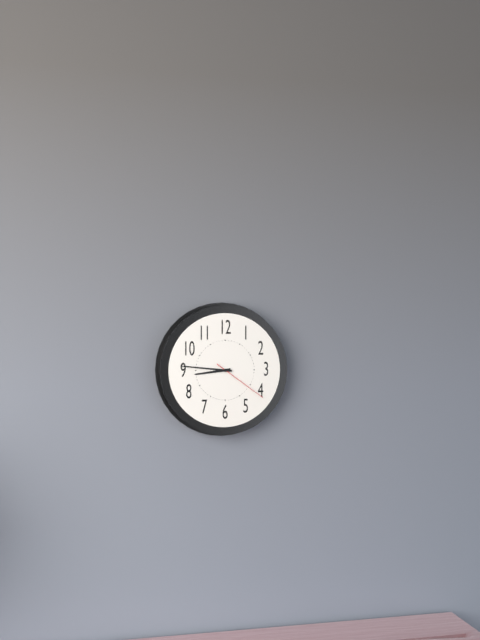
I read {"hour": 8, "minute": 46, "second": 21}
